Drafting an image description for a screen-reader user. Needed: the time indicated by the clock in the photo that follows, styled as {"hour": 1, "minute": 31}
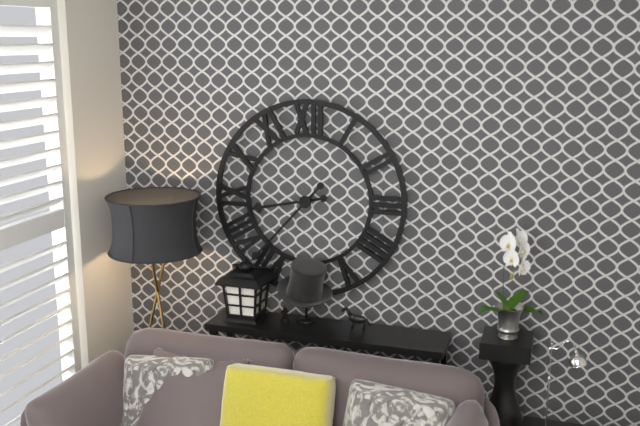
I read {"hour": 8, "minute": 37}
